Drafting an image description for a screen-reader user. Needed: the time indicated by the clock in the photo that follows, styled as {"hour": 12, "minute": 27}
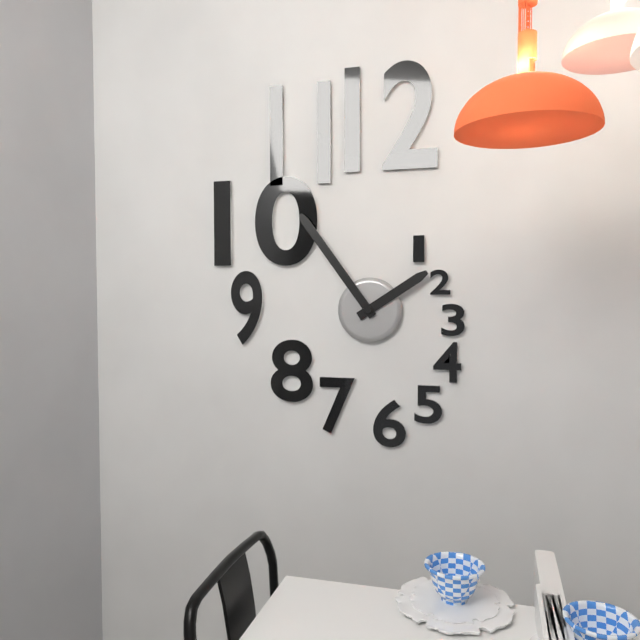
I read {"hour": 1, "minute": 54}
